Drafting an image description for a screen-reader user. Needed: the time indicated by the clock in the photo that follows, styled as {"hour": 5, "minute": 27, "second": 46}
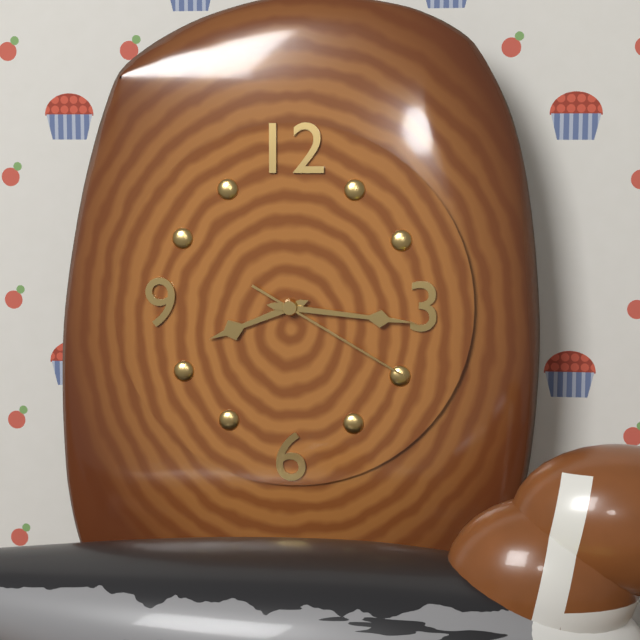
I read {"hour": 8, "minute": 16, "second": 20}
